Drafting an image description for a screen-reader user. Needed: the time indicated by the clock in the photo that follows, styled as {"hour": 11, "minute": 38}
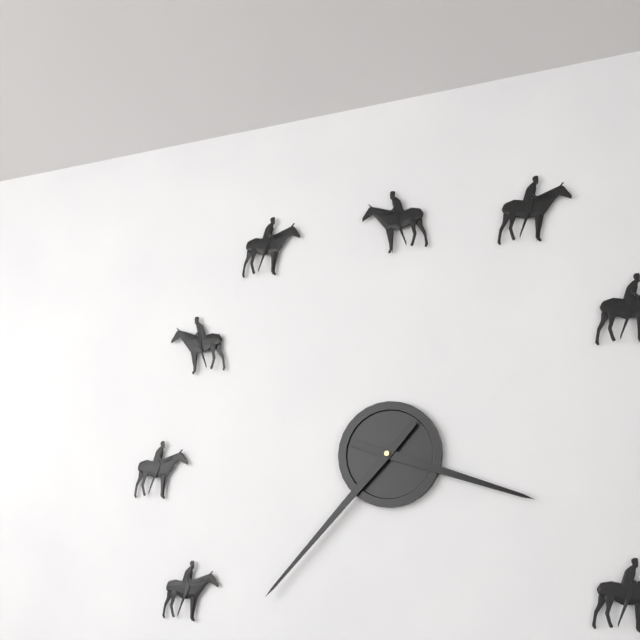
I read {"hour": 3, "minute": 37}
